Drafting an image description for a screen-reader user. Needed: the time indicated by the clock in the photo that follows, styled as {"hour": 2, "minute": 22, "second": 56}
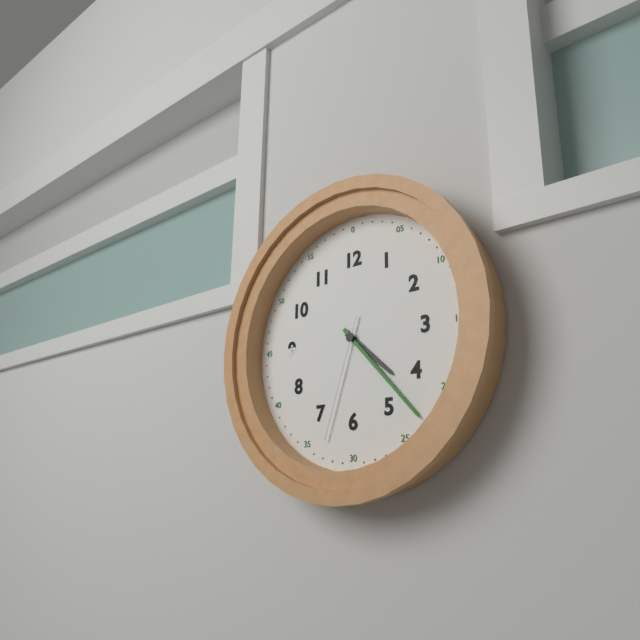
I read {"hour": 4, "minute": 23, "second": 33}
